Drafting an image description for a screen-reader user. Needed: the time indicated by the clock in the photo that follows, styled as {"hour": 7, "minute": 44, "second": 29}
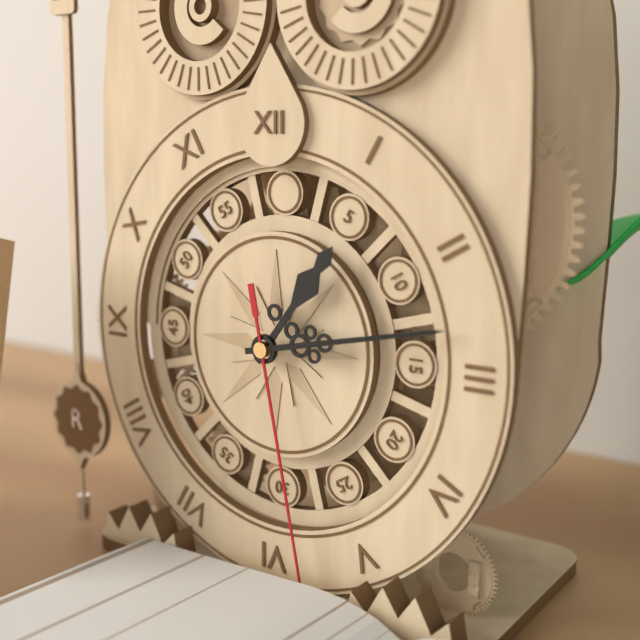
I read {"hour": 1, "minute": 13, "second": 28}
